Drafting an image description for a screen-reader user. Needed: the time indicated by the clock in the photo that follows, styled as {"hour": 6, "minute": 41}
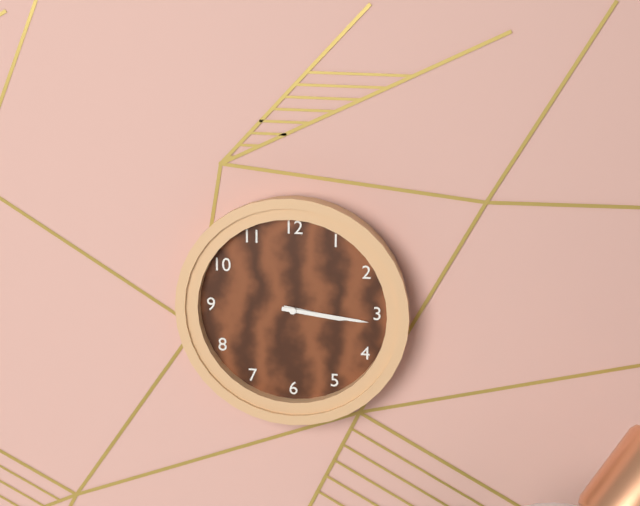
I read {"hour": 3, "minute": 16}
